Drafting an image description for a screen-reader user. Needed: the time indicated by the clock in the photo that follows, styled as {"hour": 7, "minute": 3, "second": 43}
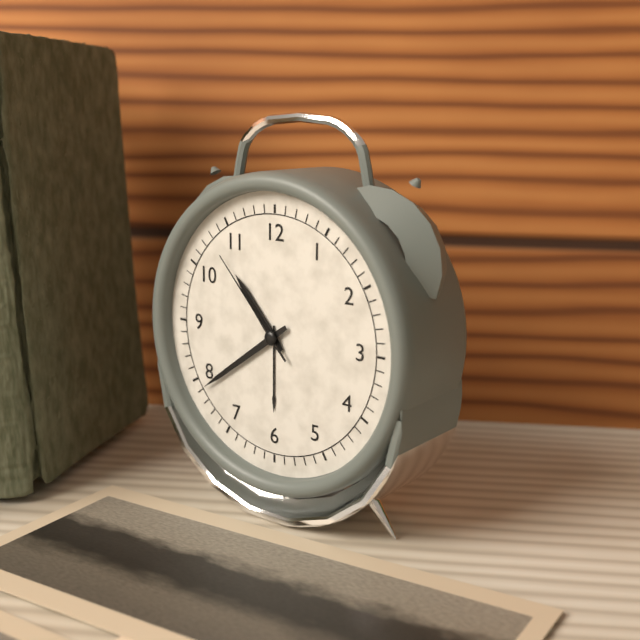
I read {"hour": 10, "minute": 39, "second": 53}
